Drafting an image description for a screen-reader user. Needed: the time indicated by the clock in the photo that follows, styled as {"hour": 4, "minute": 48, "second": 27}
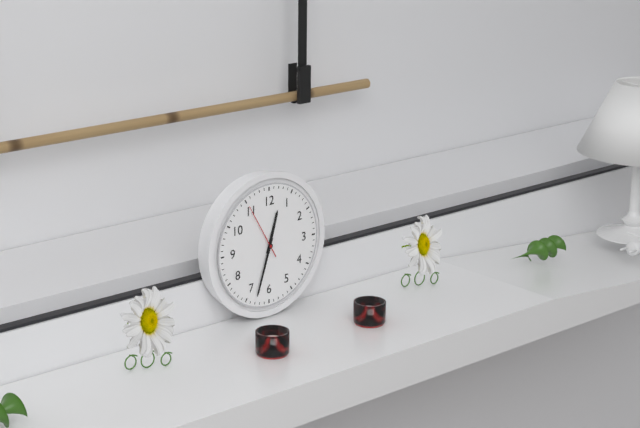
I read {"hour": 12, "minute": 33, "second": 55}
